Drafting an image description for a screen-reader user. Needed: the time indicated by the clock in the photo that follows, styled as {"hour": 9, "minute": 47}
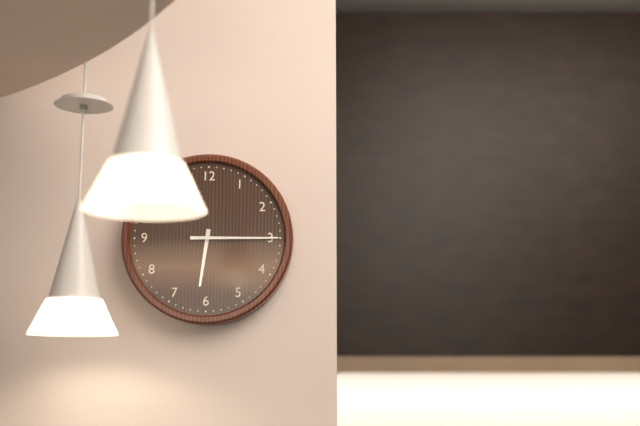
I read {"hour": 6, "minute": 15}
